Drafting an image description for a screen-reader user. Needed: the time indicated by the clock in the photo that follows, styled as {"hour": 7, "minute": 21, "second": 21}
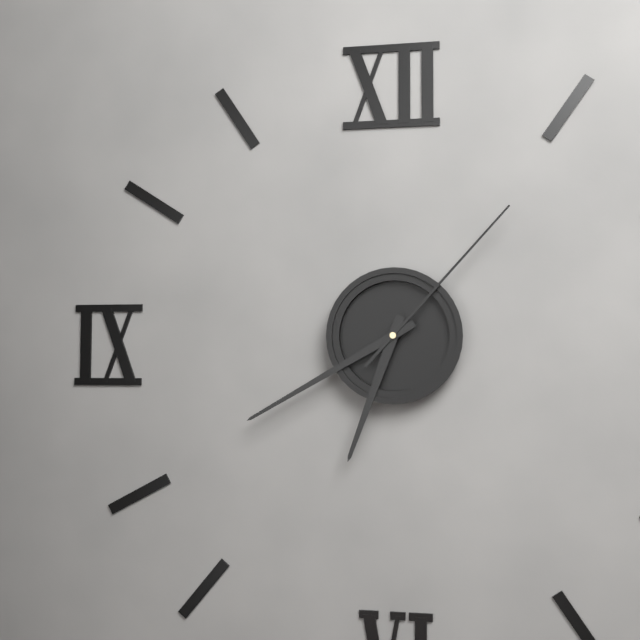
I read {"hour": 6, "minute": 40, "second": 7}
